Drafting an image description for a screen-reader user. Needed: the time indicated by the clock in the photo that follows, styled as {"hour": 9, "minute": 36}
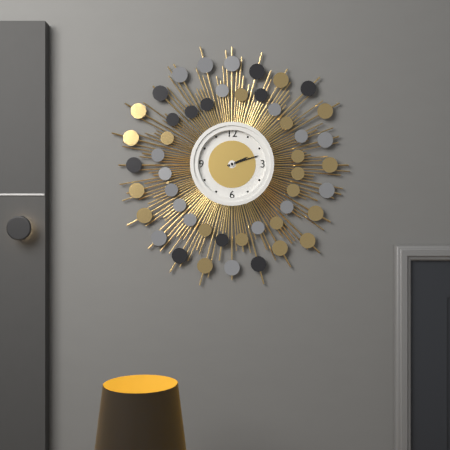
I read {"hour": 2, "minute": 12}
